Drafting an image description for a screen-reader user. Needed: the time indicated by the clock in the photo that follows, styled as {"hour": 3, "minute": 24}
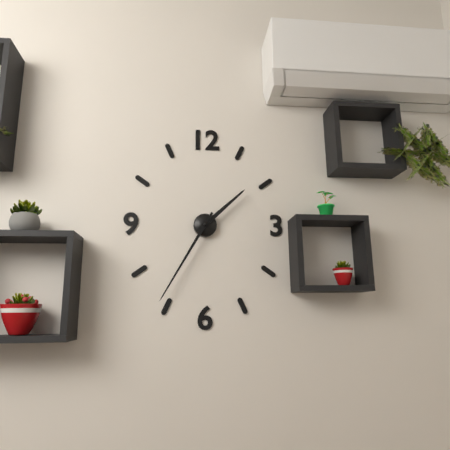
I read {"hour": 1, "minute": 35}
